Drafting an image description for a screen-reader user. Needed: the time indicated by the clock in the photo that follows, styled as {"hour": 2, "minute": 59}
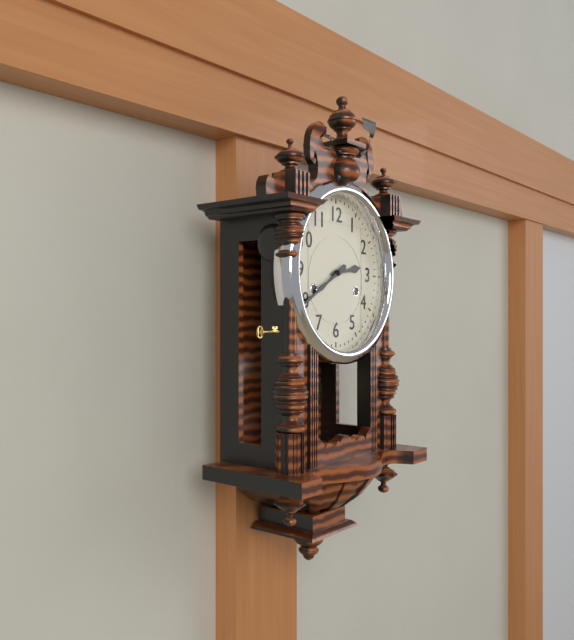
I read {"hour": 2, "minute": 40}
